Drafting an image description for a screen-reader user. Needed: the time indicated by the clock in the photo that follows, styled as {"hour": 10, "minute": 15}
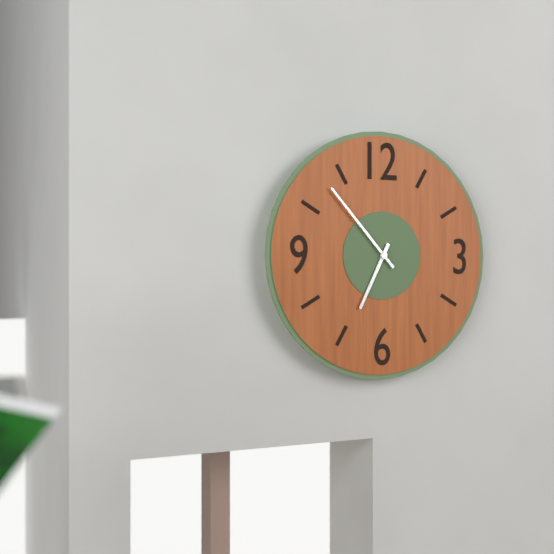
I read {"hour": 6, "minute": 53}
